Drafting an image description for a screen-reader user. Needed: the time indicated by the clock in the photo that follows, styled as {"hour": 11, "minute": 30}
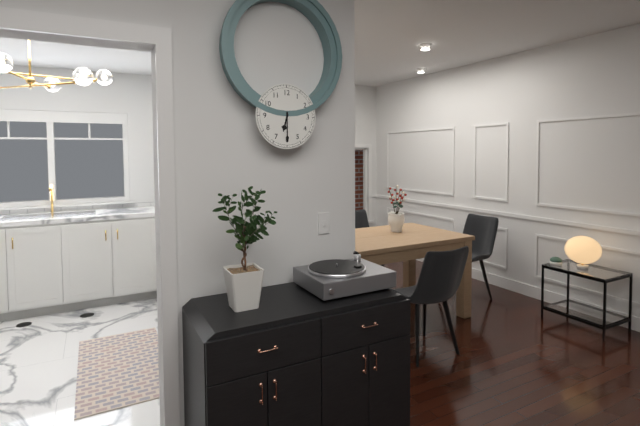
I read {"hour": 6, "minute": 30}
